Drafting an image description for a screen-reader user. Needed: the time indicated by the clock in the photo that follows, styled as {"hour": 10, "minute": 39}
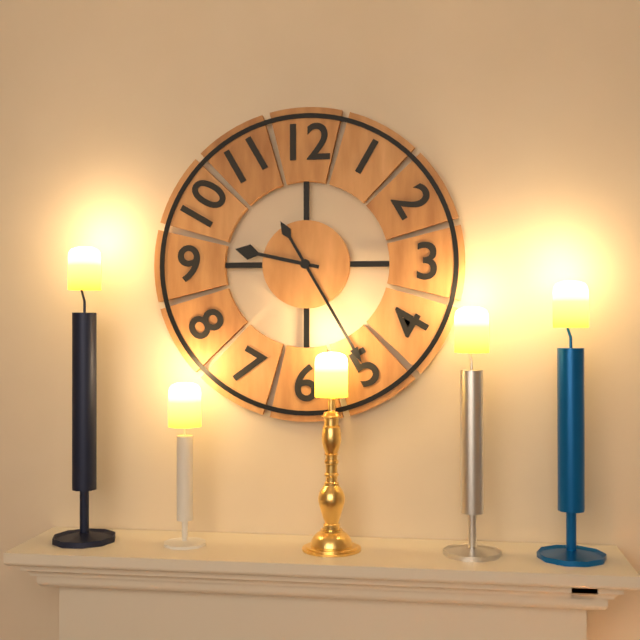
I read {"hour": 9, "minute": 25}
